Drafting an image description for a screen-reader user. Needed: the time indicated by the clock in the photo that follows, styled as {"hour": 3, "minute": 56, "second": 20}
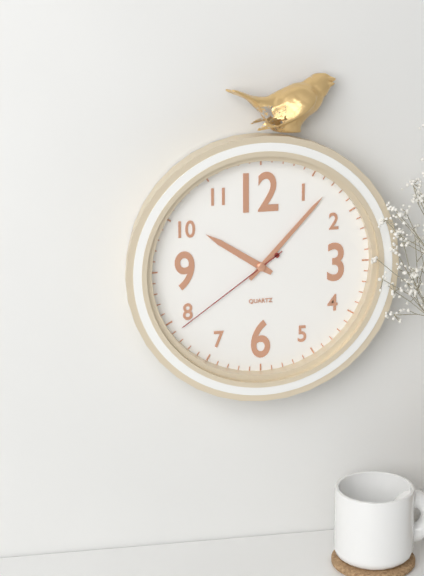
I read {"hour": 10, "minute": 7, "second": 39}
